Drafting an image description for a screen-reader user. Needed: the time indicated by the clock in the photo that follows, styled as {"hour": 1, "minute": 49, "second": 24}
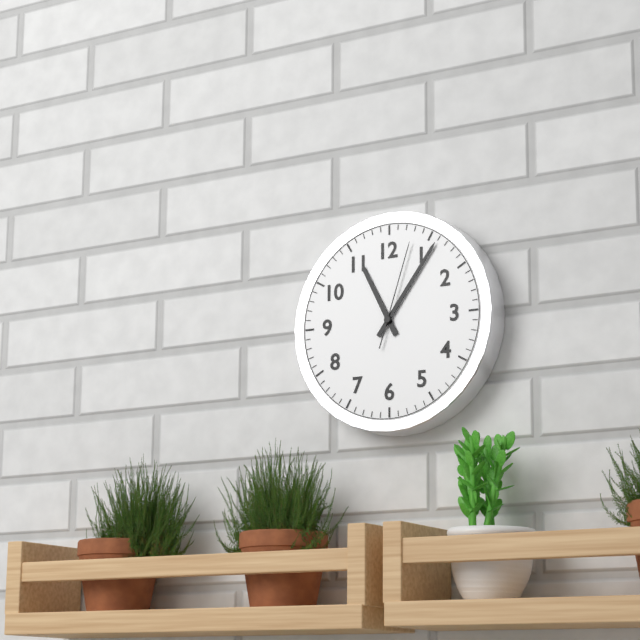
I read {"hour": 11, "minute": 6, "second": 3}
